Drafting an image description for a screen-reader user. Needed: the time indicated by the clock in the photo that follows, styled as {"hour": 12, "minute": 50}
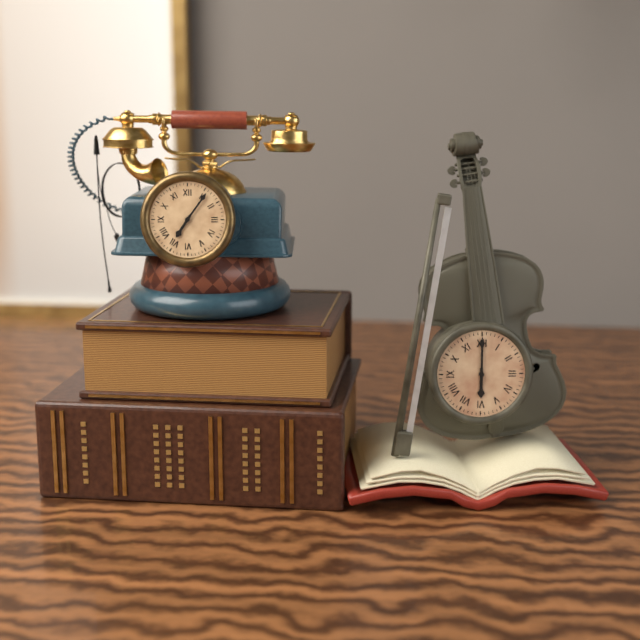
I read {"hour": 7, "minute": 6}
